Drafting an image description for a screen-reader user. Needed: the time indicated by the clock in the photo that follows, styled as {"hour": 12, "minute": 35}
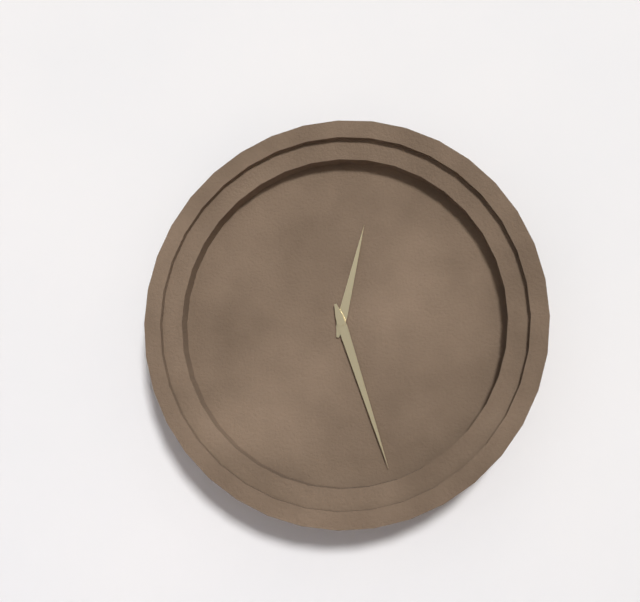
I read {"hour": 12, "minute": 27}
